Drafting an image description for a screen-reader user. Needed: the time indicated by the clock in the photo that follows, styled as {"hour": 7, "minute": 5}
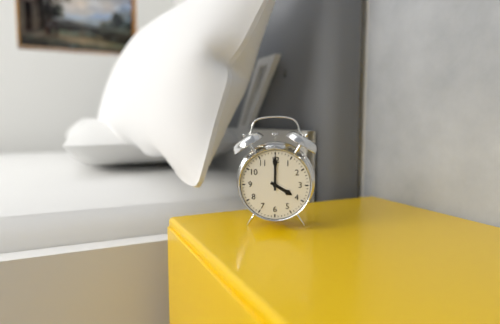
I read {"hour": 4, "minute": 0}
